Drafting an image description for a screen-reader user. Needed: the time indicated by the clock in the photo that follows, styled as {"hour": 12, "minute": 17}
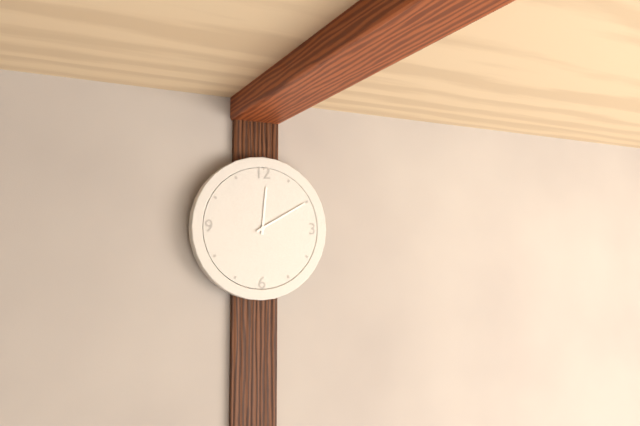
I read {"hour": 12, "minute": 10}
